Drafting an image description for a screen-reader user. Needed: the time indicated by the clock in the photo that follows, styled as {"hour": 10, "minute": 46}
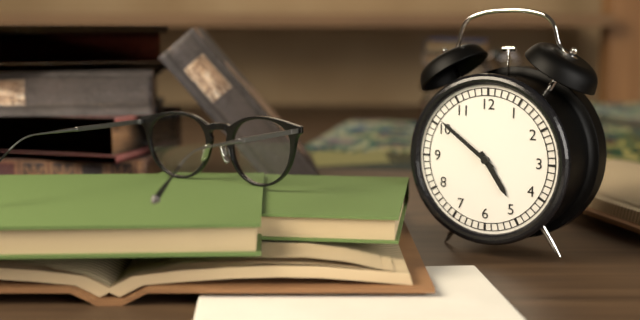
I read {"hour": 4, "minute": 51}
